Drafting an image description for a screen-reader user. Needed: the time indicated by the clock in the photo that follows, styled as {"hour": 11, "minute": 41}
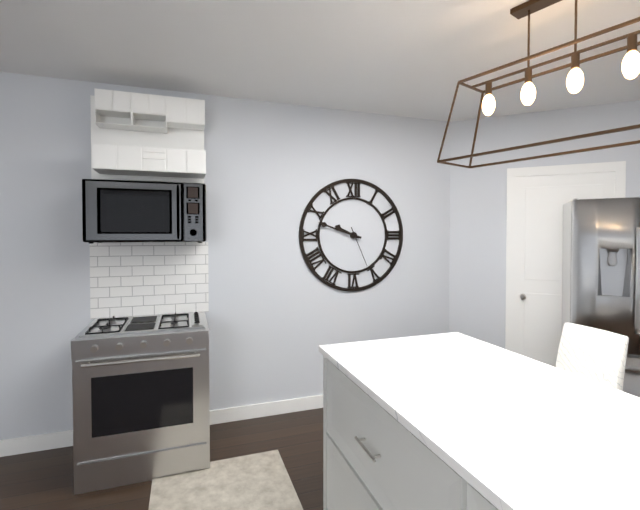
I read {"hour": 9, "minute": 48}
